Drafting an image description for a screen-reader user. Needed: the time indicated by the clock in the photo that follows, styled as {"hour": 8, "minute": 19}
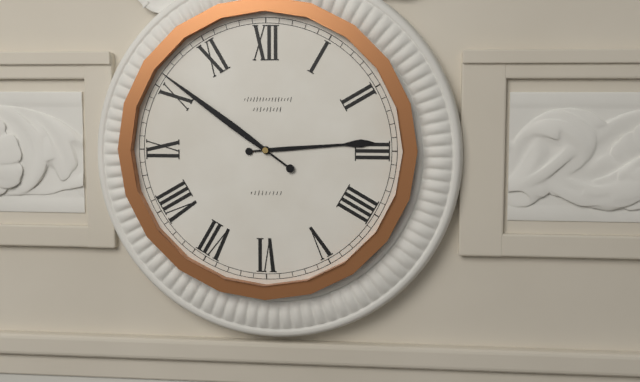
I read {"hour": 2, "minute": 51}
